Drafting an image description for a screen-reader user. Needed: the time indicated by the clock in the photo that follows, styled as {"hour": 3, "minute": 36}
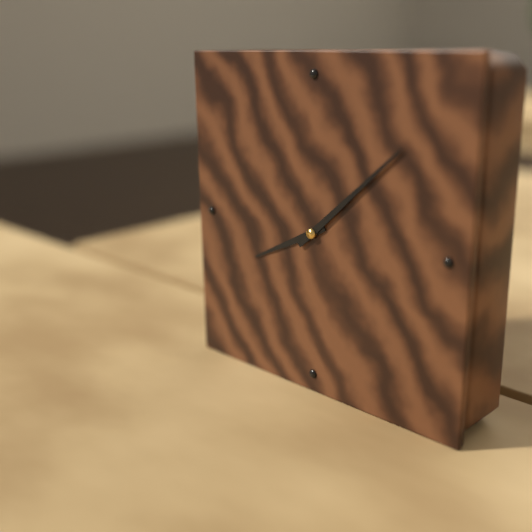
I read {"hour": 8, "minute": 8}
